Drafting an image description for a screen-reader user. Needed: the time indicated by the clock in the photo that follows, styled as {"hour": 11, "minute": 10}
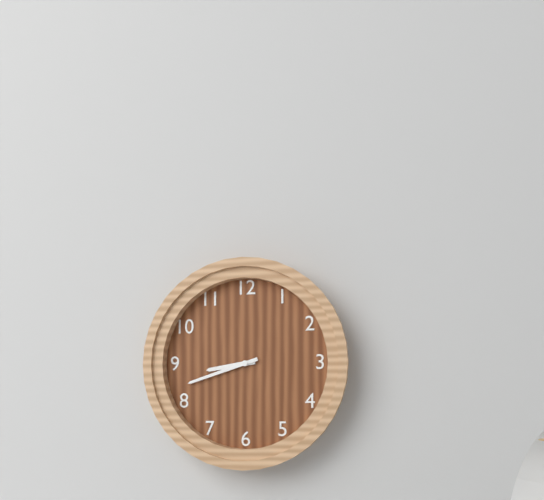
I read {"hour": 8, "minute": 42}
